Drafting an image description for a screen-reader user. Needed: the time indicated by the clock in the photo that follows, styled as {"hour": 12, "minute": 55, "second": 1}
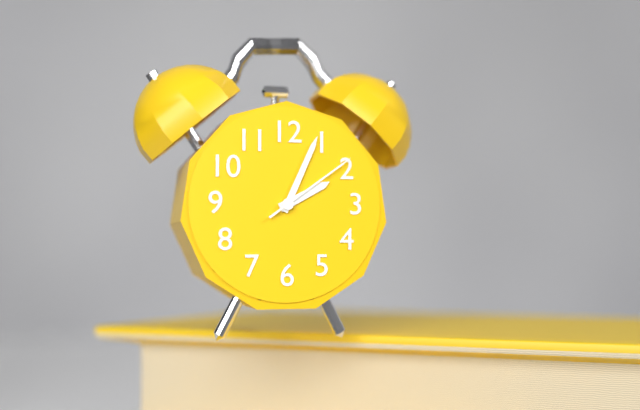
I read {"hour": 2, "minute": 4, "second": 9}
